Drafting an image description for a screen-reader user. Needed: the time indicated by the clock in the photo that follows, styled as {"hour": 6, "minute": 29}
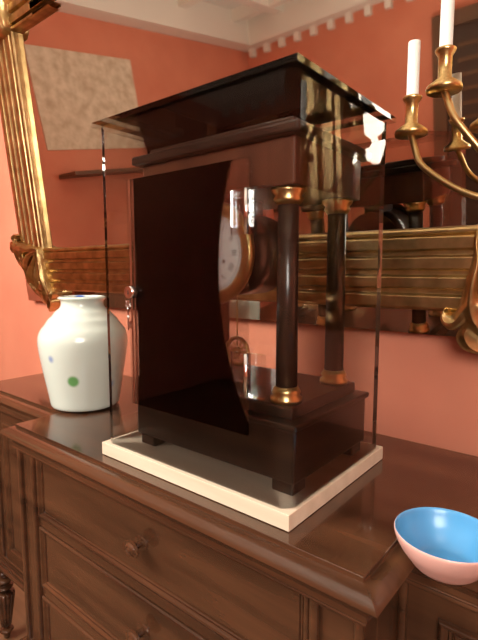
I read {"hour": 9, "minute": 52}
